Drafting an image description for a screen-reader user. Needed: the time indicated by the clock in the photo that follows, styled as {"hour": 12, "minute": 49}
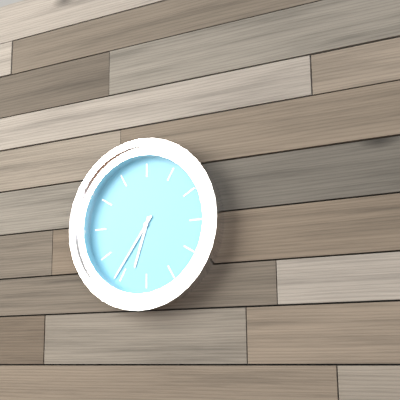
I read {"hour": 6, "minute": 36}
